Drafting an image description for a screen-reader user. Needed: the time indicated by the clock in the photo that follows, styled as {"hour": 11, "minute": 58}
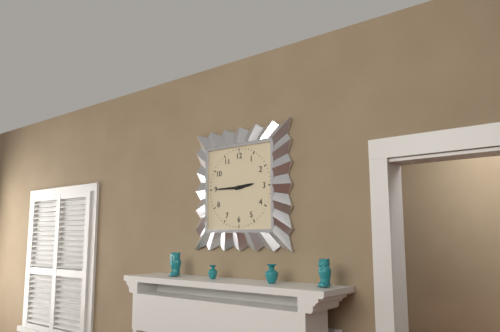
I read {"hour": 2, "minute": 45}
